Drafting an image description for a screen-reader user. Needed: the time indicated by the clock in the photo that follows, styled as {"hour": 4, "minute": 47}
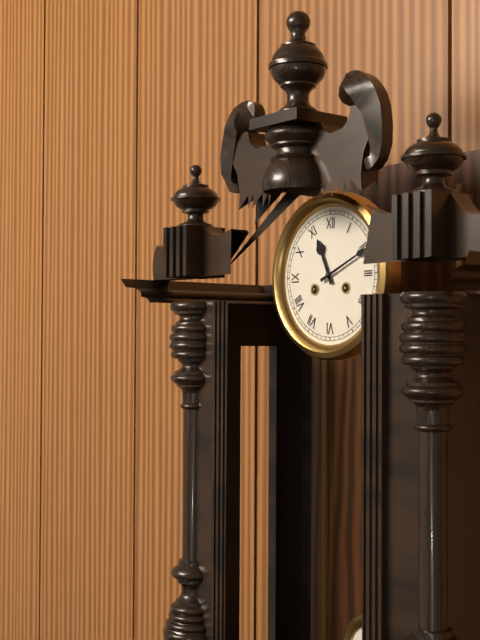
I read {"hour": 11, "minute": 11}
